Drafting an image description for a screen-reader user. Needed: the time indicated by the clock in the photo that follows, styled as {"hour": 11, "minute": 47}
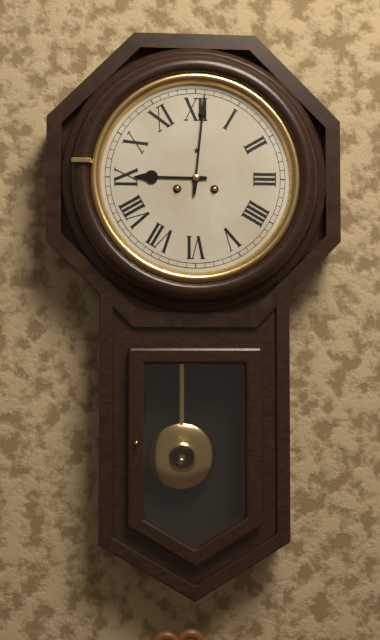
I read {"hour": 9, "minute": 1}
